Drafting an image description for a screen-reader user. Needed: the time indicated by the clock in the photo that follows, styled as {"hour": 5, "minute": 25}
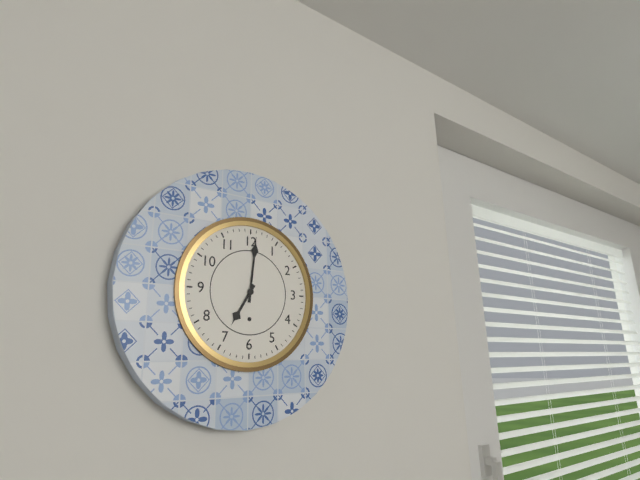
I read {"hour": 7, "minute": 1}
